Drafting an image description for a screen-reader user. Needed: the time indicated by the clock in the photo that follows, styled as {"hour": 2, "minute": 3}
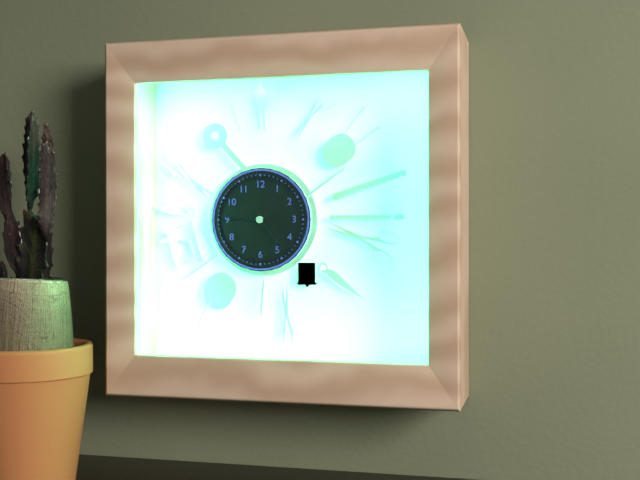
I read {"hour": 4, "minute": 46}
